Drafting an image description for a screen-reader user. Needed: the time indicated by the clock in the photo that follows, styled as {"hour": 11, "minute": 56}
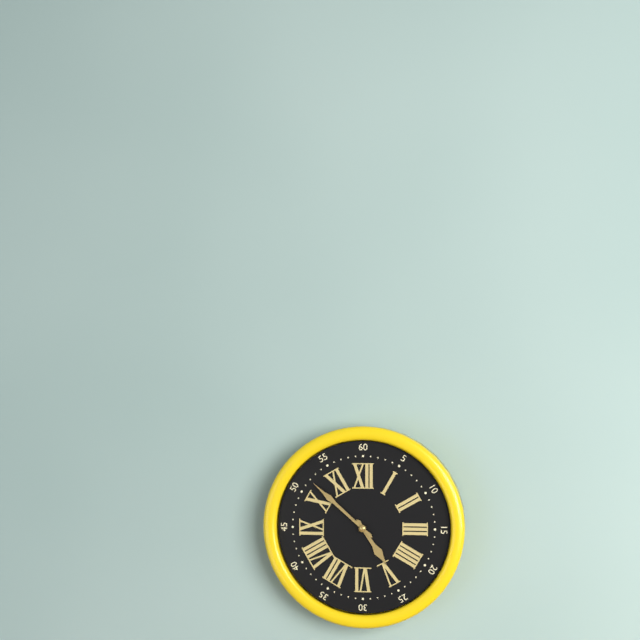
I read {"hour": 4, "minute": 52}
